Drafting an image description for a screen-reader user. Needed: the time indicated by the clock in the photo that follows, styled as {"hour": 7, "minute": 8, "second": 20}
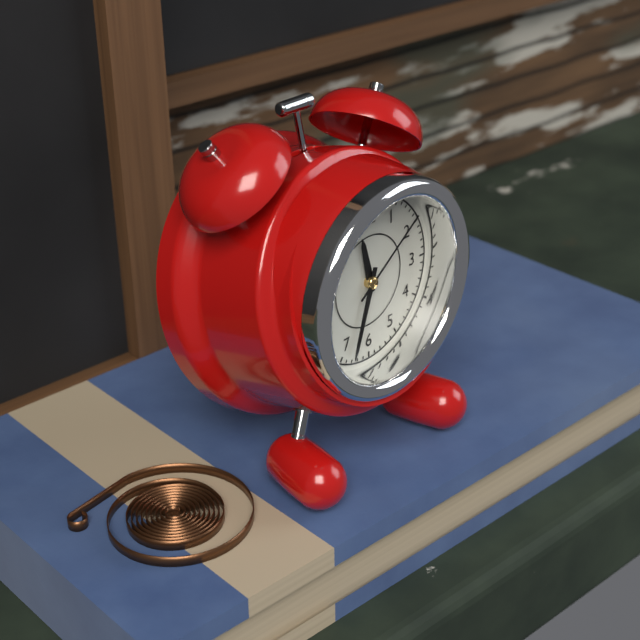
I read {"hour": 11, "minute": 33, "second": 9}
